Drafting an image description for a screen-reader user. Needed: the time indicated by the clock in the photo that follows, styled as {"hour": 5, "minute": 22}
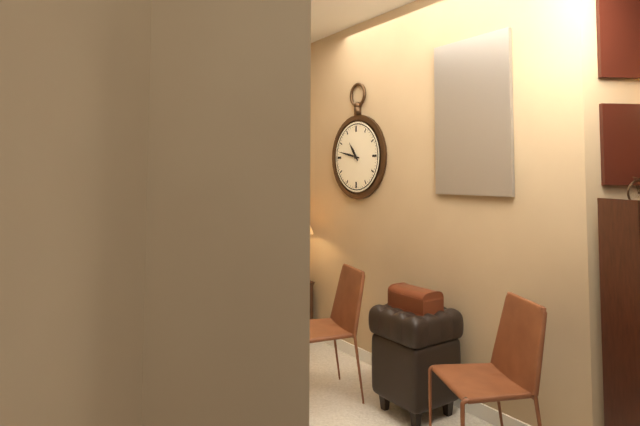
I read {"hour": 10, "minute": 47}
